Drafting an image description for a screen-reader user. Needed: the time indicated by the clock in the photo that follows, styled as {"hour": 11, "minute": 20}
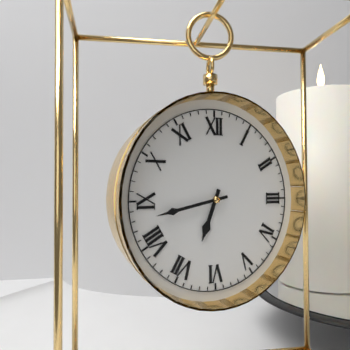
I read {"hour": 6, "minute": 43}
